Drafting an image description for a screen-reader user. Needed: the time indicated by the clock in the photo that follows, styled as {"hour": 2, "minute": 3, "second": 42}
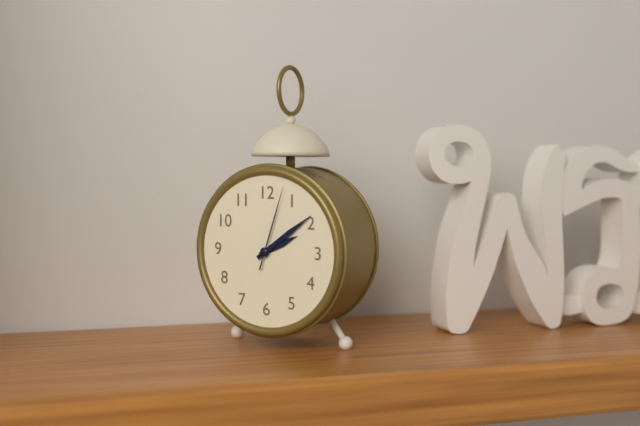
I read {"hour": 2, "minute": 9, "second": 3}
